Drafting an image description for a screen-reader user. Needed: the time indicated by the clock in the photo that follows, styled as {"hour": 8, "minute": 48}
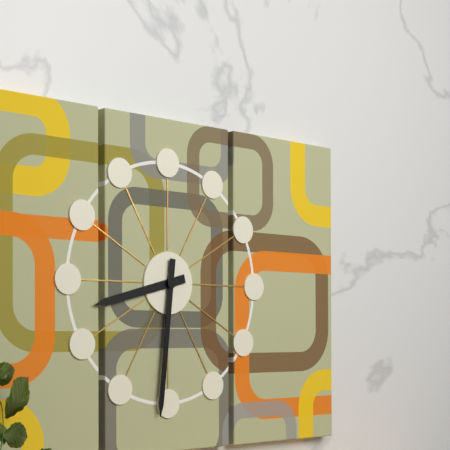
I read {"hour": 8, "minute": 31}
